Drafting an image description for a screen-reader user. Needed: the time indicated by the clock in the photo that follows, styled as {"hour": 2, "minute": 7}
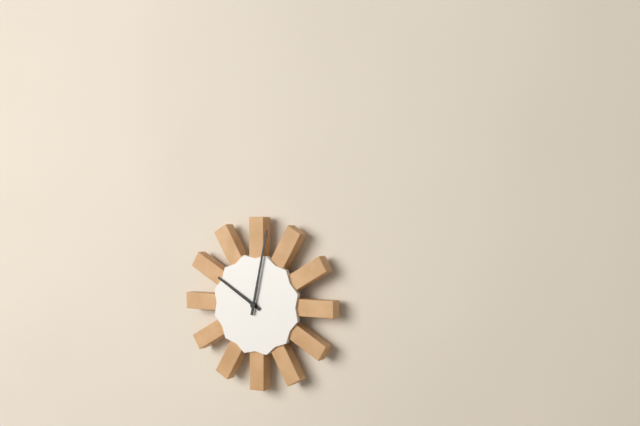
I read {"hour": 10, "minute": 2}
